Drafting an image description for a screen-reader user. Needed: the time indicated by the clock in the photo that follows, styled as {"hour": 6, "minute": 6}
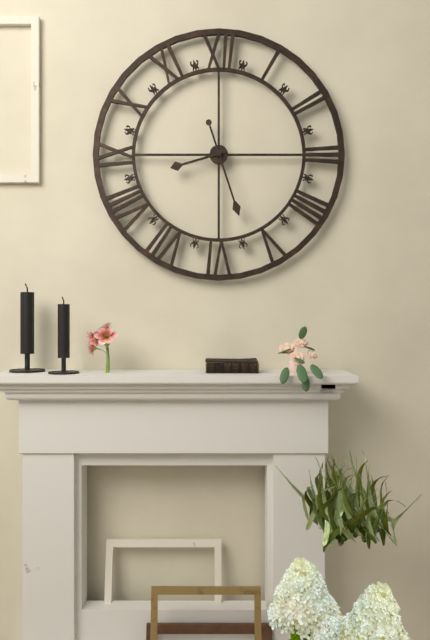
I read {"hour": 8, "minute": 27}
